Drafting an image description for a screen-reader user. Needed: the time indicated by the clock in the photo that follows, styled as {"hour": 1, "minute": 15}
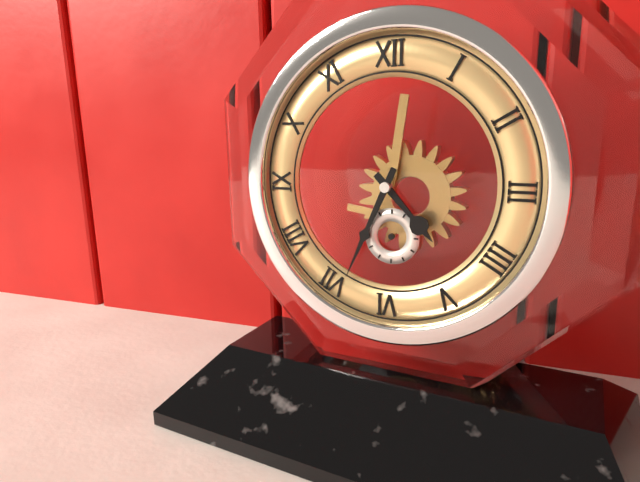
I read {"hour": 4, "minute": 34}
